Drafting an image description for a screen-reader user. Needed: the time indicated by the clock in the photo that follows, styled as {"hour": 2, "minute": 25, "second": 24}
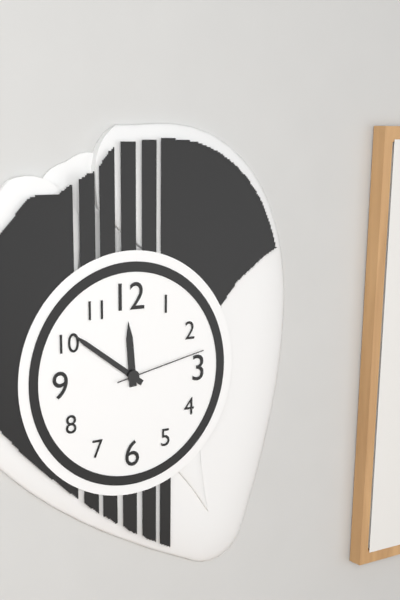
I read {"hour": 11, "minute": 51, "second": 13}
